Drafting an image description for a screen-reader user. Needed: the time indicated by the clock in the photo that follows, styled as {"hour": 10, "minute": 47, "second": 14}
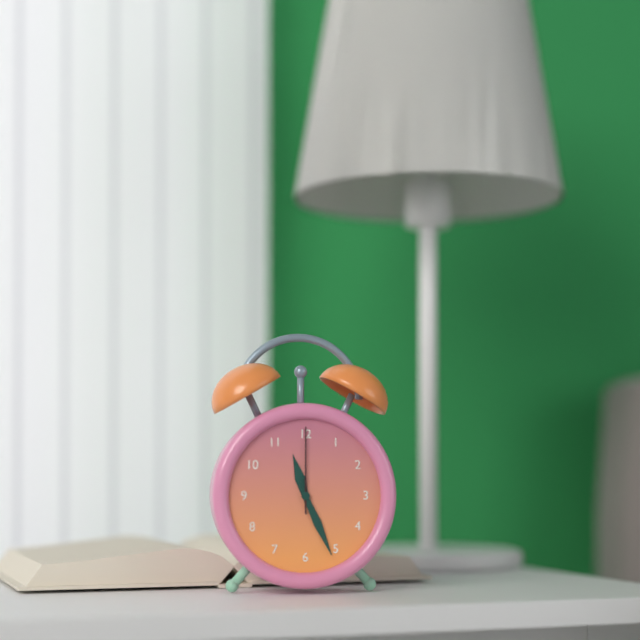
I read {"hour": 11, "minute": 26, "second": 0}
